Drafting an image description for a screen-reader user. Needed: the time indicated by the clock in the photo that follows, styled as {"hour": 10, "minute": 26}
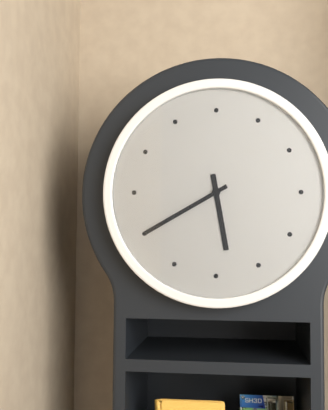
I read {"hour": 5, "minute": 40}
